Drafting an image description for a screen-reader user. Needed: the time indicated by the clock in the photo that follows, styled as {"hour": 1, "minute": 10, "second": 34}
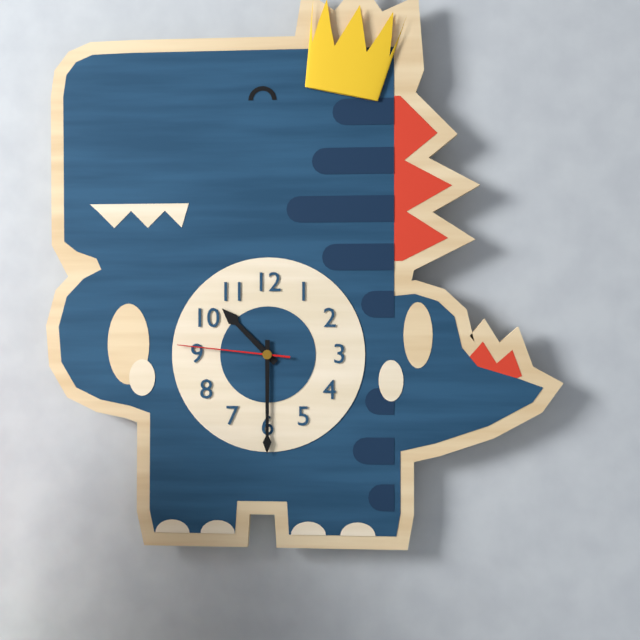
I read {"hour": 10, "minute": 30, "second": 46}
